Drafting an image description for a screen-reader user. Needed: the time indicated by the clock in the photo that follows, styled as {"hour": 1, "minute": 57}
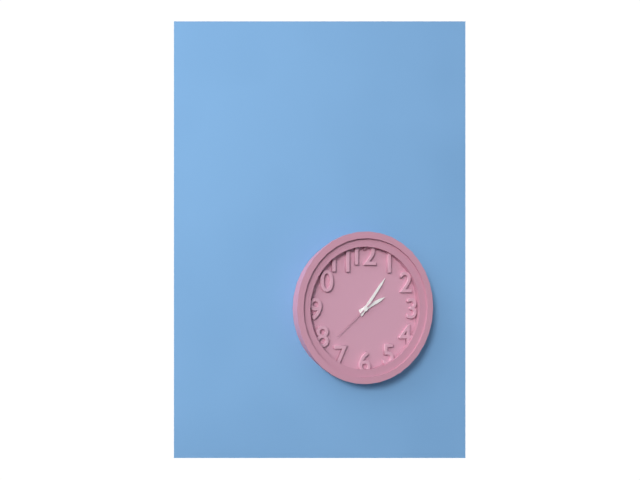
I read {"hour": 2, "minute": 6}
